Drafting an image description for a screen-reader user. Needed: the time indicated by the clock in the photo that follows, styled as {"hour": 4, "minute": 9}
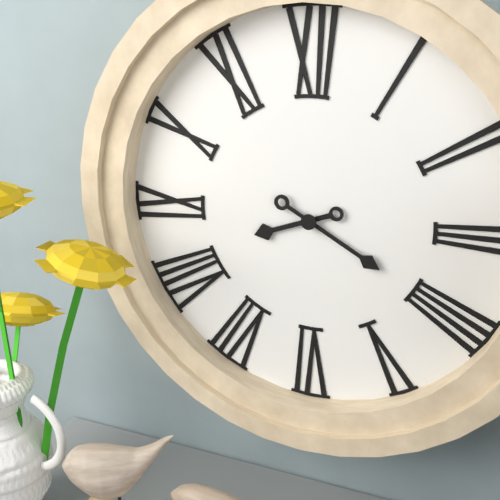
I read {"hour": 8, "minute": 20}
